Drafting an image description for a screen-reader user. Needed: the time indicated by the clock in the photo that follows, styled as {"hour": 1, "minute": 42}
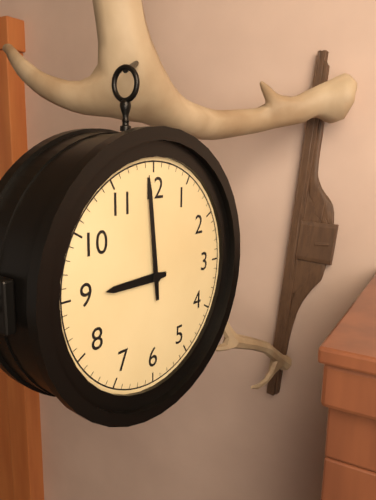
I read {"hour": 8, "minute": 59}
